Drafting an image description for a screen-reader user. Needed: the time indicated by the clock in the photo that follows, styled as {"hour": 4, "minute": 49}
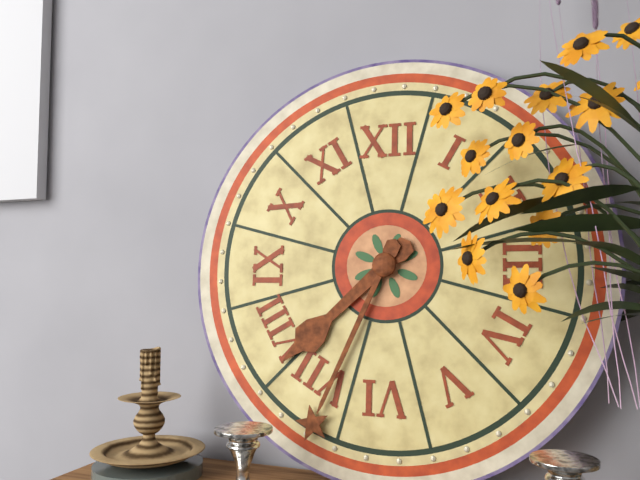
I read {"hour": 7, "minute": 34}
